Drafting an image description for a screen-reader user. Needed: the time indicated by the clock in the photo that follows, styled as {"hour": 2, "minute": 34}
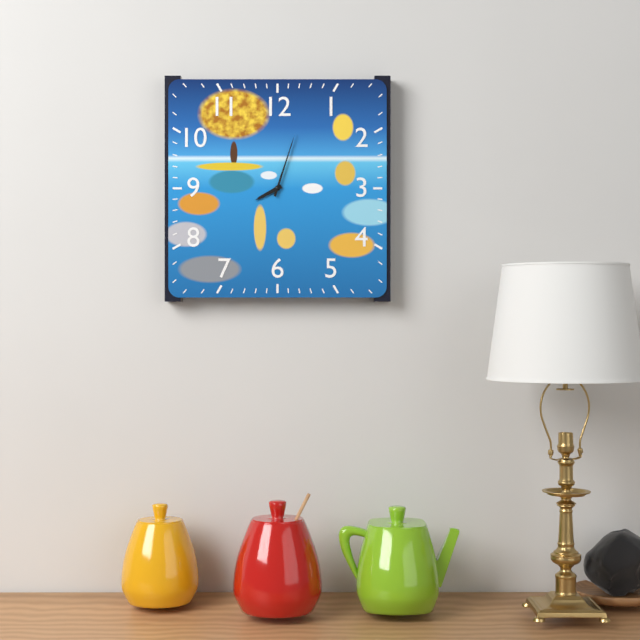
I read {"hour": 8, "minute": 3}
